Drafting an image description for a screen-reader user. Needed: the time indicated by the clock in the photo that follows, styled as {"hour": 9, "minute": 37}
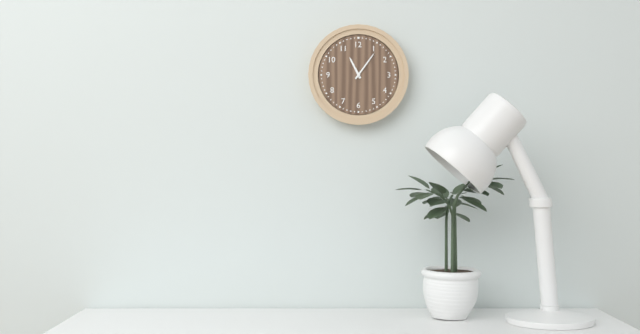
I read {"hour": 11, "minute": 6}
